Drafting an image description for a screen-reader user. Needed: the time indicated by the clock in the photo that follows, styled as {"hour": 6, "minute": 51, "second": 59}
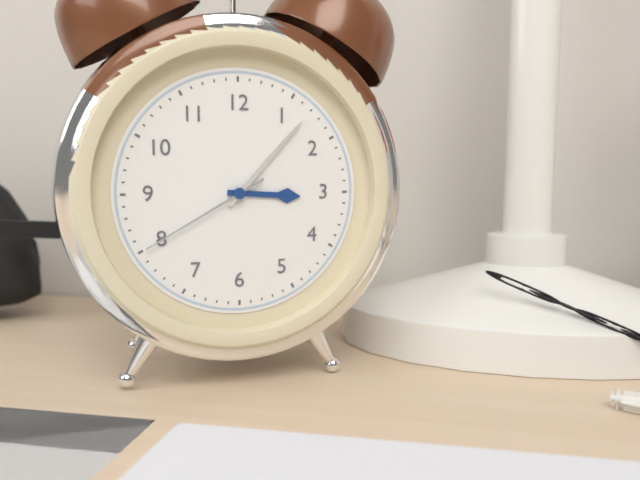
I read {"hour": 3, "minute": 7, "second": 40}
